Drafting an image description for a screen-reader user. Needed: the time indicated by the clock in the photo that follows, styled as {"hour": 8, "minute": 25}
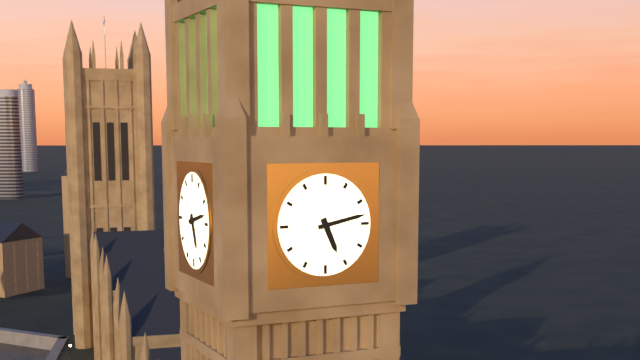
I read {"hour": 5, "minute": 13}
